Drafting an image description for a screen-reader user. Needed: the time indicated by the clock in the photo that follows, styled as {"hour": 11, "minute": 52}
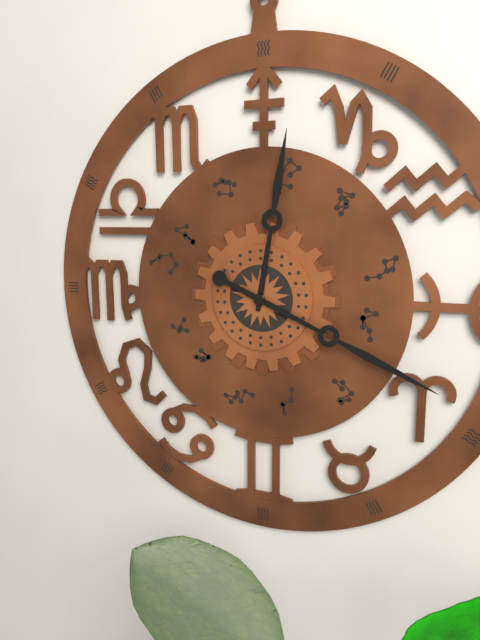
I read {"hour": 12, "minute": 19}
